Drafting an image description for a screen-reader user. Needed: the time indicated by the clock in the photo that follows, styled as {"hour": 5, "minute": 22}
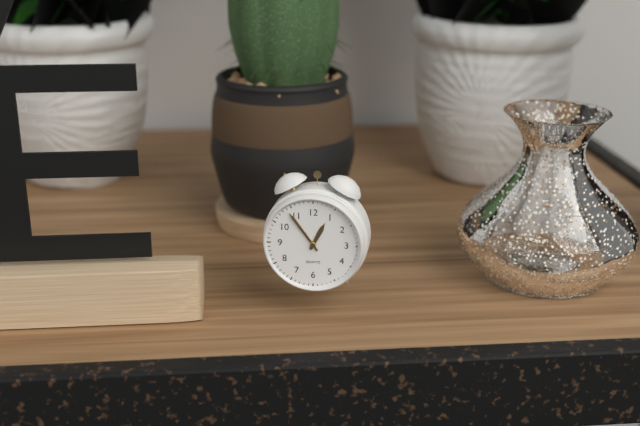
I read {"hour": 12, "minute": 54}
